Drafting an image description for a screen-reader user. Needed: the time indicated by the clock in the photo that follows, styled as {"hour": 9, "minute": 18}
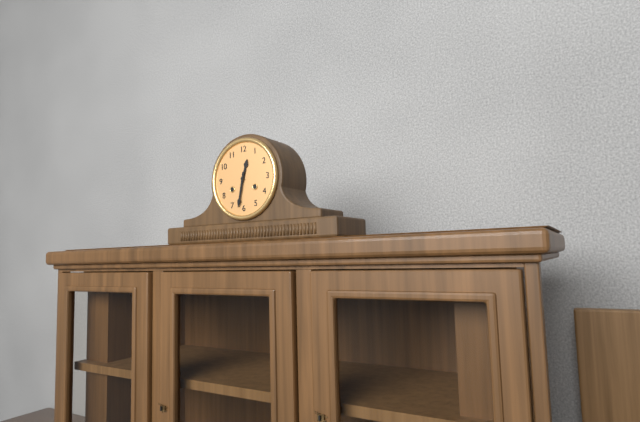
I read {"hour": 12, "minute": 32}
